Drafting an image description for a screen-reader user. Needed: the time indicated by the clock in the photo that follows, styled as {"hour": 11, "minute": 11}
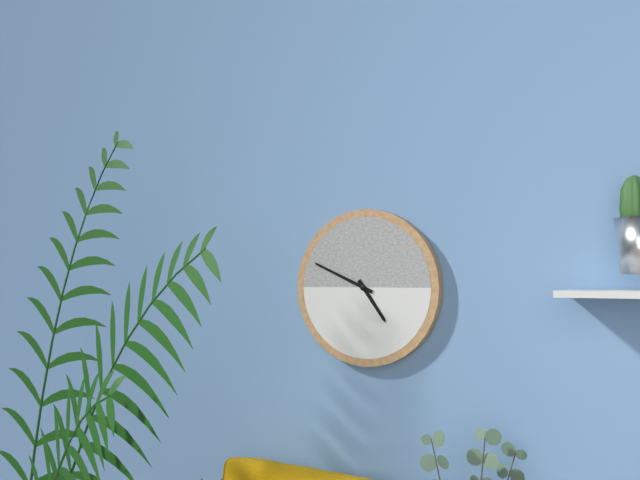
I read {"hour": 4, "minute": 49}
